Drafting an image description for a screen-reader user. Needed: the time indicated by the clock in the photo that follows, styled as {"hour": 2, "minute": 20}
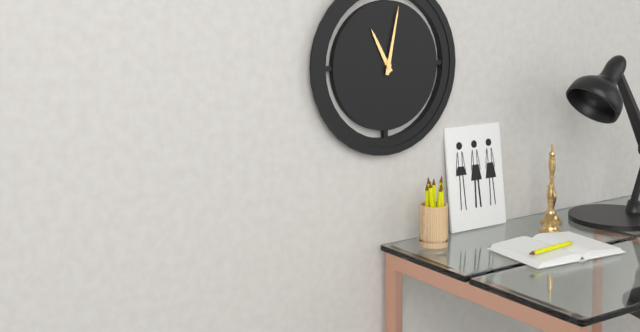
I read {"hour": 11, "minute": 2}
